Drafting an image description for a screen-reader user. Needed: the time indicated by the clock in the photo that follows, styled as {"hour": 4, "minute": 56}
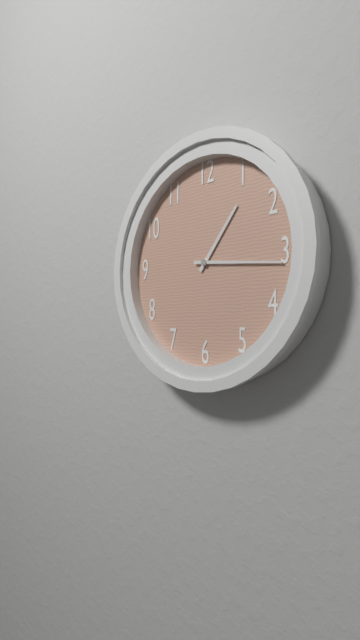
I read {"hour": 1, "minute": 16}
